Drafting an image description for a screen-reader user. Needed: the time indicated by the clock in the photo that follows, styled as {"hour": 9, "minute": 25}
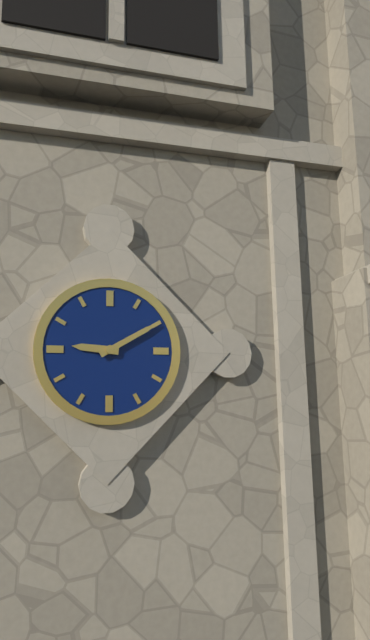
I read {"hour": 9, "minute": 10}
